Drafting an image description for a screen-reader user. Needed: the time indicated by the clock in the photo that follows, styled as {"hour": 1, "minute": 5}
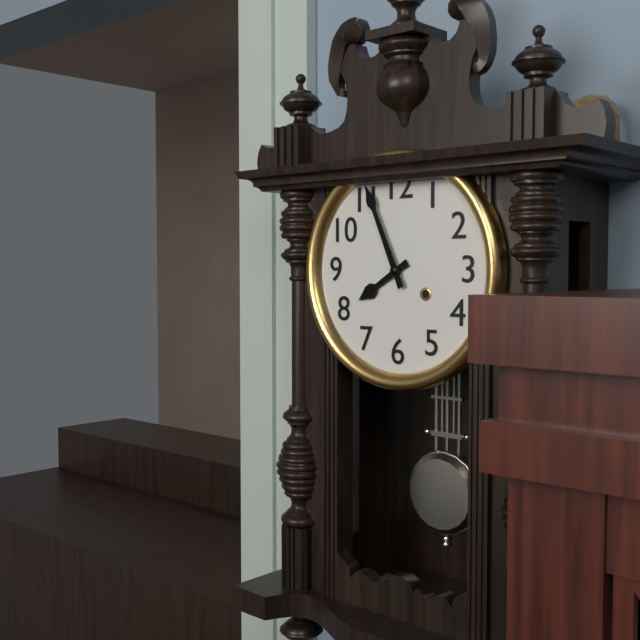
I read {"hour": 7, "minute": 56}
